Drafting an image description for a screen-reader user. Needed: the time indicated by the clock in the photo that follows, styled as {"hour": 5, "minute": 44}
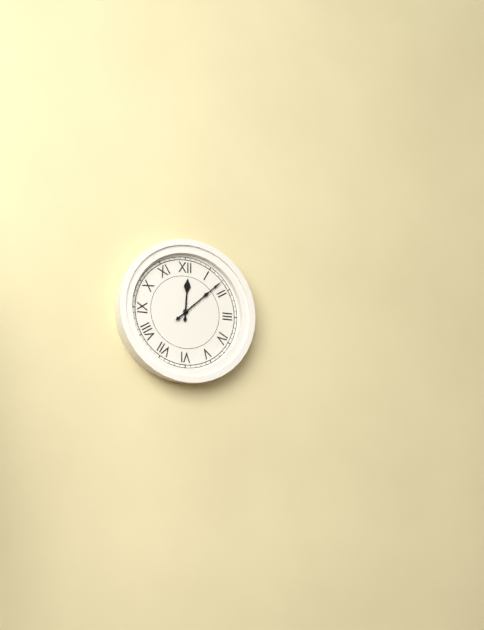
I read {"hour": 12, "minute": 8}
